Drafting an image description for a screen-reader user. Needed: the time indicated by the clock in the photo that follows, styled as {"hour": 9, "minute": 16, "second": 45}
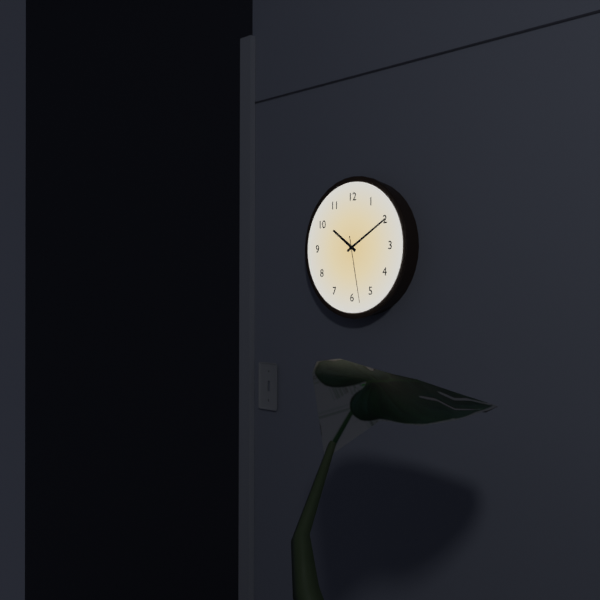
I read {"hour": 10, "minute": 10, "second": 28}
